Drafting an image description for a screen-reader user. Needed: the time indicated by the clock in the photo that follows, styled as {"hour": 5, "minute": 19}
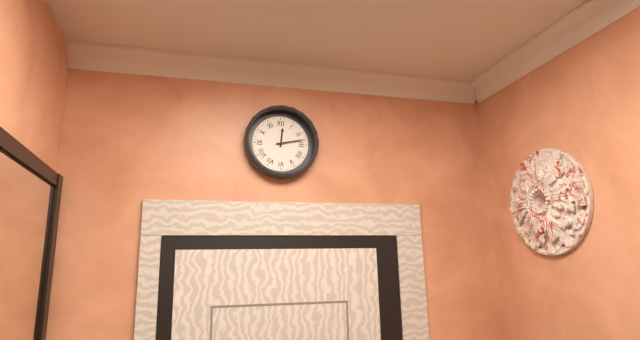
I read {"hour": 12, "minute": 13}
